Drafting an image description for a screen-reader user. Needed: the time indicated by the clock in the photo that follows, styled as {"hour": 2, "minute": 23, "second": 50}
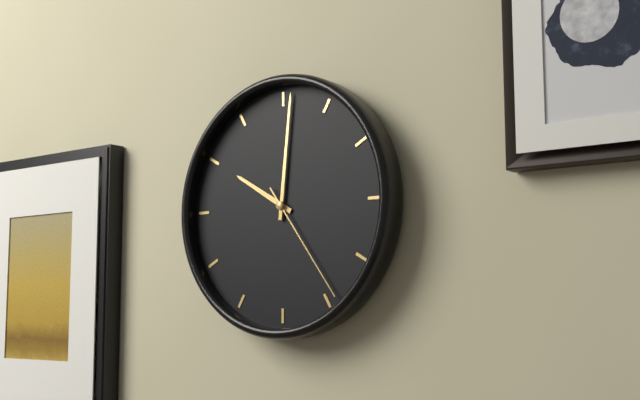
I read {"hour": 10, "minute": 1, "second": 24}
